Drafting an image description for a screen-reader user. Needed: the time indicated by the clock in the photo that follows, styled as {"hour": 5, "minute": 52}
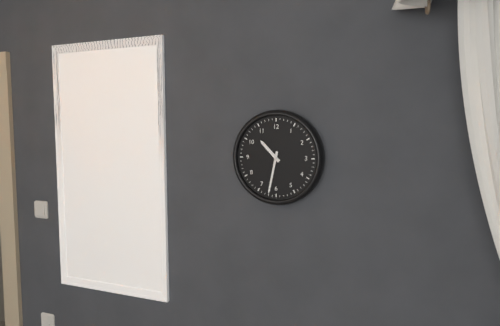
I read {"hour": 10, "minute": 32}
